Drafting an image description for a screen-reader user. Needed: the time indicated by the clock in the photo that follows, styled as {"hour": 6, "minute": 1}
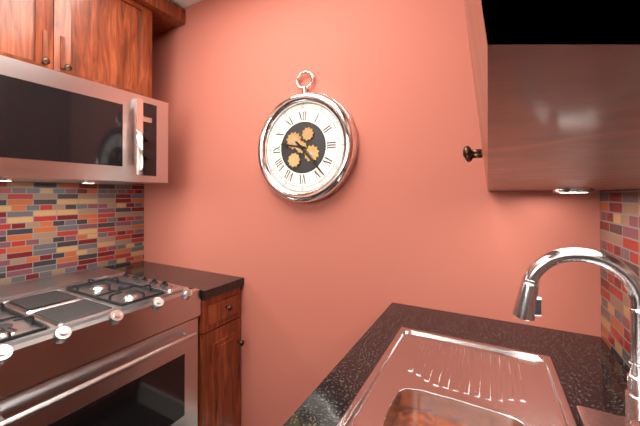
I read {"hour": 9, "minute": 23}
